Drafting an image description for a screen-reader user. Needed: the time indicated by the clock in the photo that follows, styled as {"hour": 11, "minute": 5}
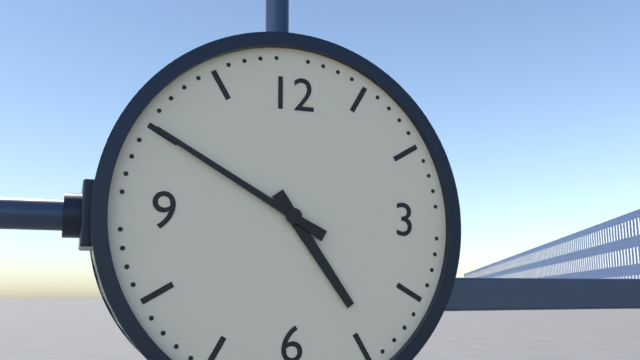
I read {"hour": 4, "minute": 50}
